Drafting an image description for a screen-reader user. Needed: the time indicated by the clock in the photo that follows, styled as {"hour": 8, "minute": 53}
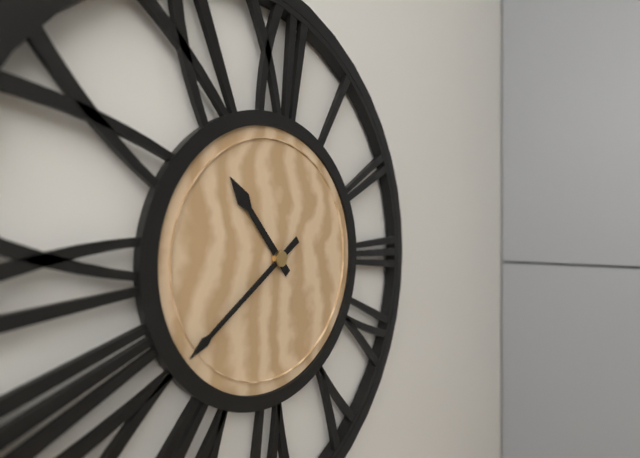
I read {"hour": 10, "minute": 39}
